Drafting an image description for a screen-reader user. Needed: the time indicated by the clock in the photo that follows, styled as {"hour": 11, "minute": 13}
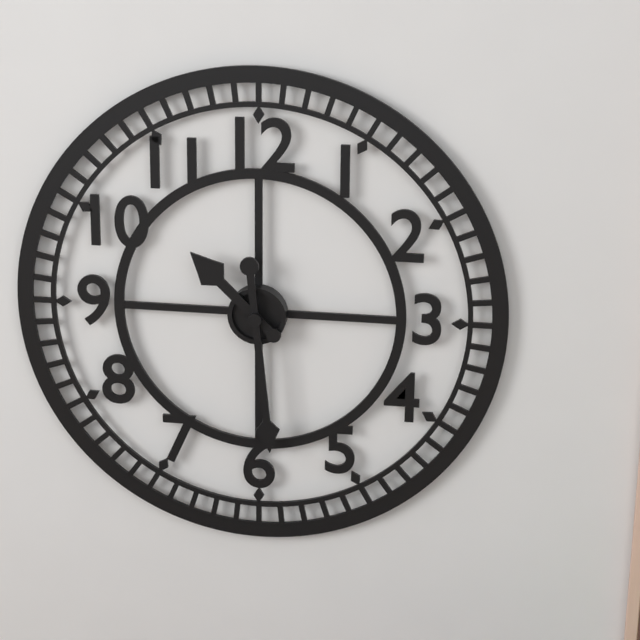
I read {"hour": 10, "minute": 29}
